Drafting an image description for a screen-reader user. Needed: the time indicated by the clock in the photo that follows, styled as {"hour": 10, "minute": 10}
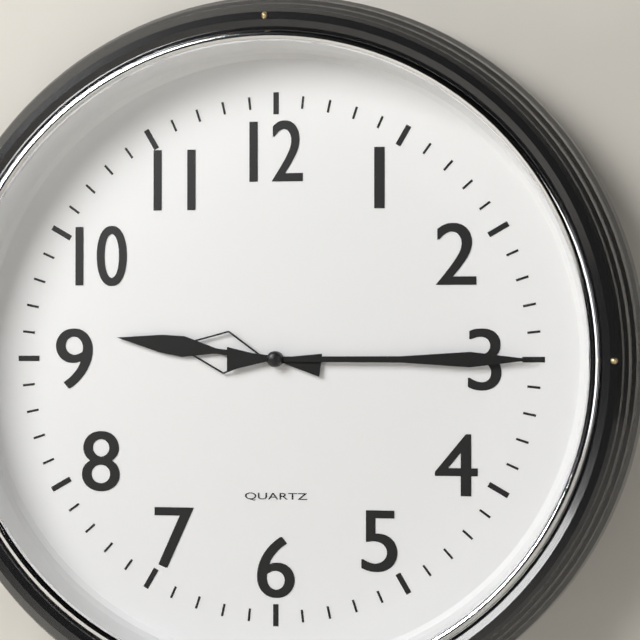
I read {"hour": 9, "minute": 15}
